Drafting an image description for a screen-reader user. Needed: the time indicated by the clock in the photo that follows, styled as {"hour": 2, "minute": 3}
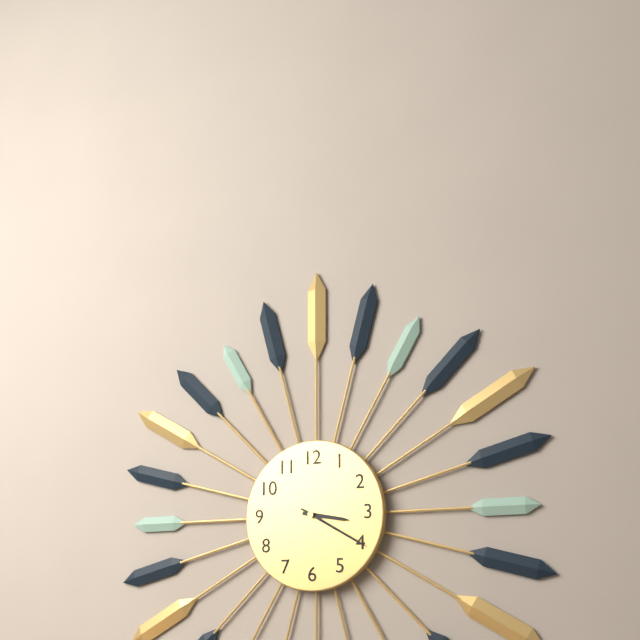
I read {"hour": 3, "minute": 20}
